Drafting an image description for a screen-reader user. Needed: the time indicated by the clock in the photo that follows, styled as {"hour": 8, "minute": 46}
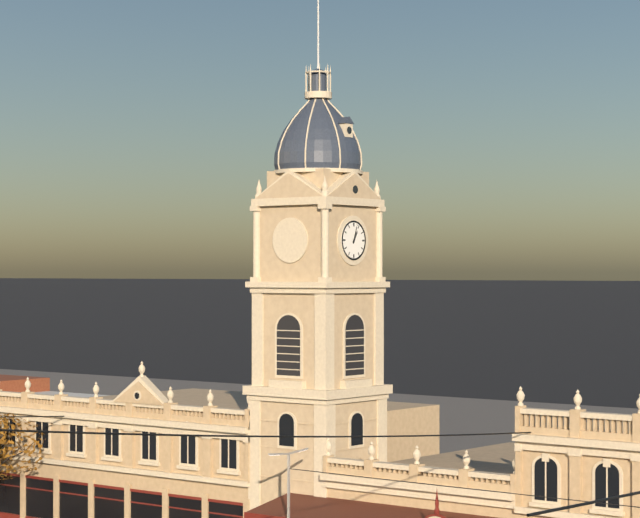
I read {"hour": 1, "minute": 3}
